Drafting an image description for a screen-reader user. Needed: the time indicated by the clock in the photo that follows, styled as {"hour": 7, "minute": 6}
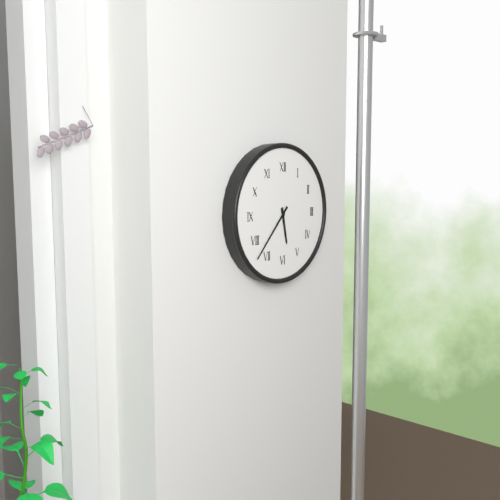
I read {"hour": 5, "minute": 37}
